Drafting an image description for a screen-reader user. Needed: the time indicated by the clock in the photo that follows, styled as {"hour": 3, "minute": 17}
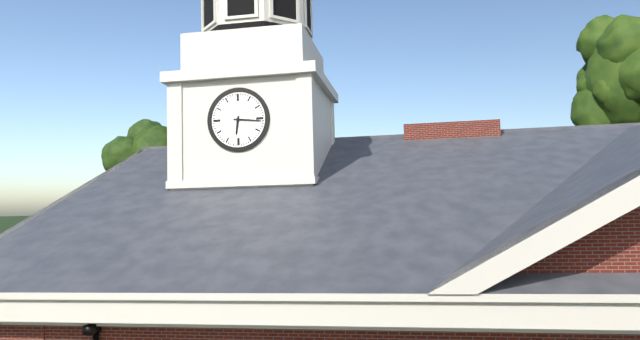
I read {"hour": 6, "minute": 16}
